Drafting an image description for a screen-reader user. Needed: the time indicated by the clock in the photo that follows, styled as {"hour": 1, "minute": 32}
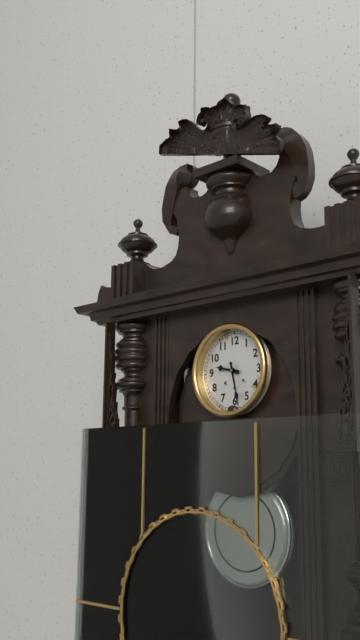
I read {"hour": 9, "minute": 28}
